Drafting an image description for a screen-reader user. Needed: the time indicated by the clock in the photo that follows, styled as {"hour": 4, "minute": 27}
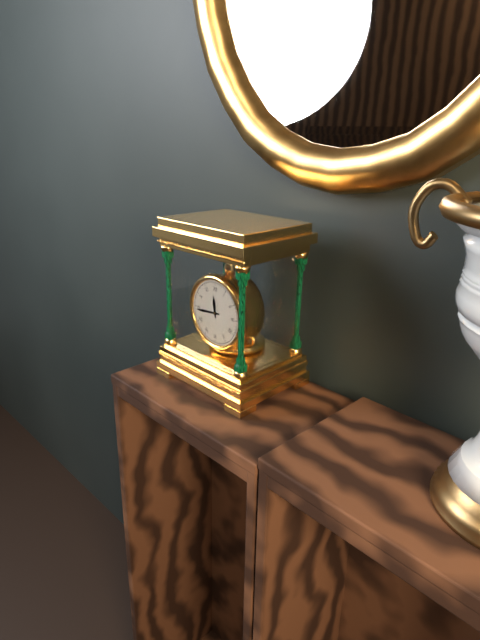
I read {"hour": 11, "minute": 44}
